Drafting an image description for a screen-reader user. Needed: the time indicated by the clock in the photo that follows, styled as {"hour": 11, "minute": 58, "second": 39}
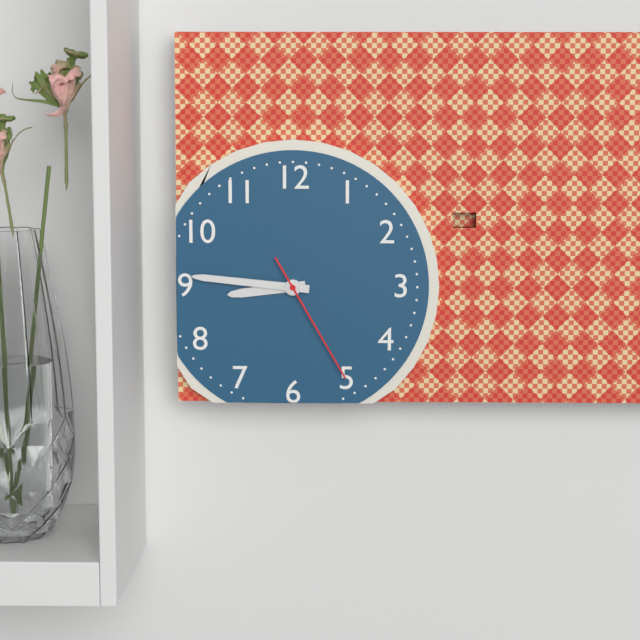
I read {"hour": 8, "minute": 46, "second": 25}
